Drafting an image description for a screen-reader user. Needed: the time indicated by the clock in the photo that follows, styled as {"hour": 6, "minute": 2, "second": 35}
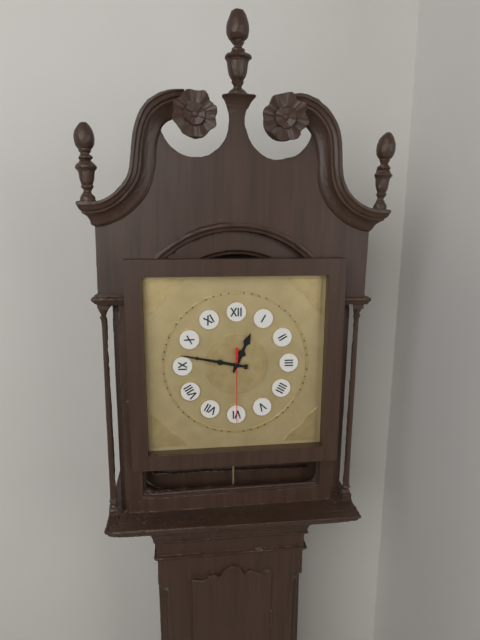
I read {"hour": 12, "minute": 47, "second": 30}
